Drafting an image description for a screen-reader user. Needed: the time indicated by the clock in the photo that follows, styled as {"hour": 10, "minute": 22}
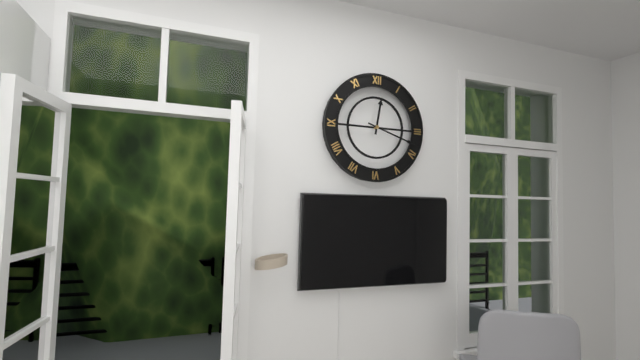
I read {"hour": 12, "minute": 18}
